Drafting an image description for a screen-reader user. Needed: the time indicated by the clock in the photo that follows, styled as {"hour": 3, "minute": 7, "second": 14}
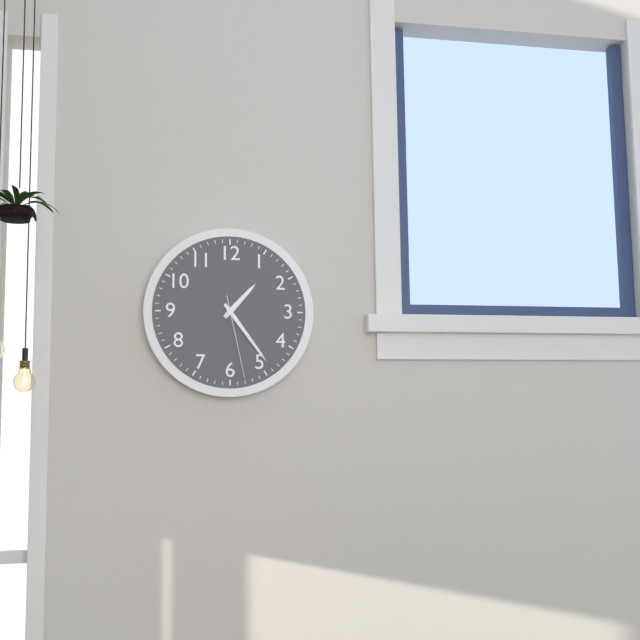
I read {"hour": 1, "minute": 24, "second": 28}
